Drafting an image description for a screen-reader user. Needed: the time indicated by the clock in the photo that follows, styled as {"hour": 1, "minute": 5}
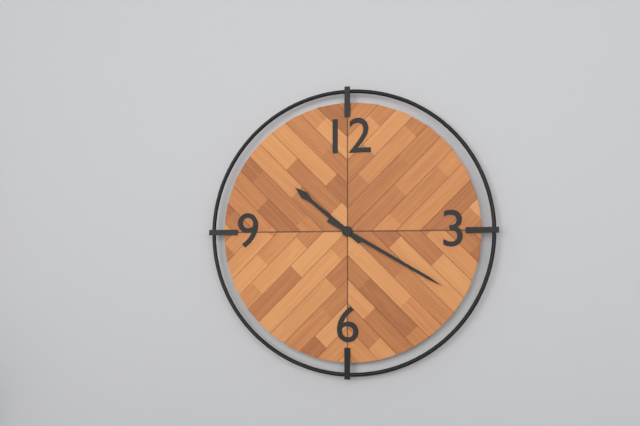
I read {"hour": 10, "minute": 20}
